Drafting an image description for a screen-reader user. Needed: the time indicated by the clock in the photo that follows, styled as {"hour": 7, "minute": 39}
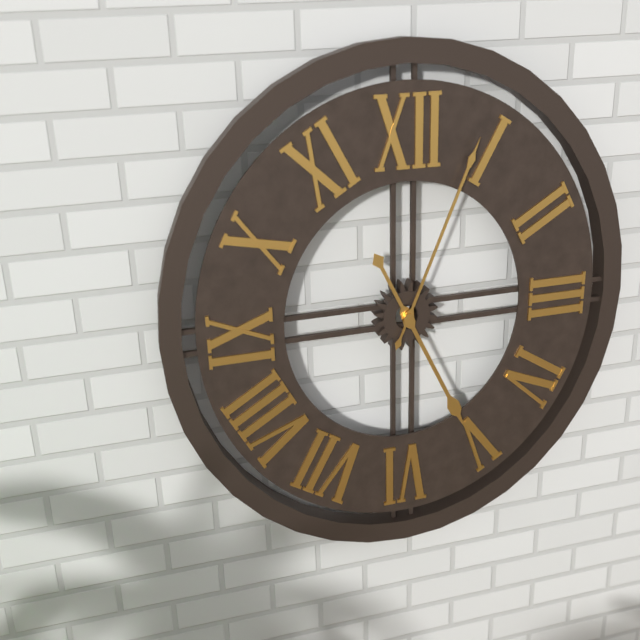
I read {"hour": 5, "minute": 4}
